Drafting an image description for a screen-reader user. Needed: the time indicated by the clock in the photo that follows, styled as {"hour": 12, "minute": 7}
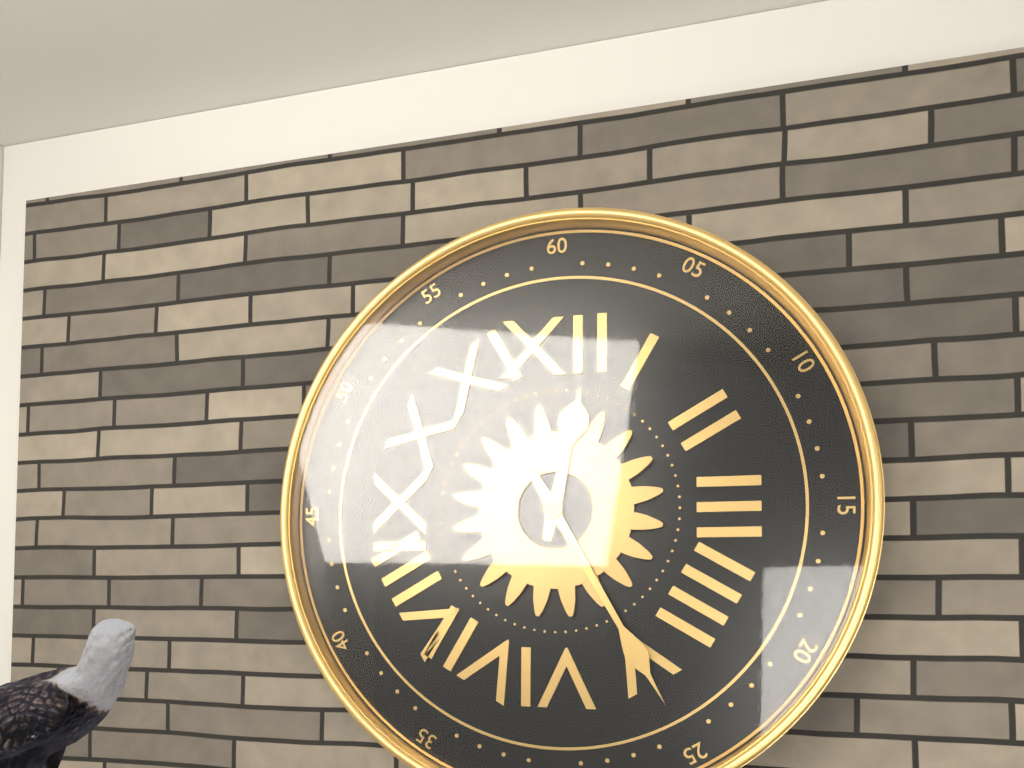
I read {"hour": 12, "minute": 25}
